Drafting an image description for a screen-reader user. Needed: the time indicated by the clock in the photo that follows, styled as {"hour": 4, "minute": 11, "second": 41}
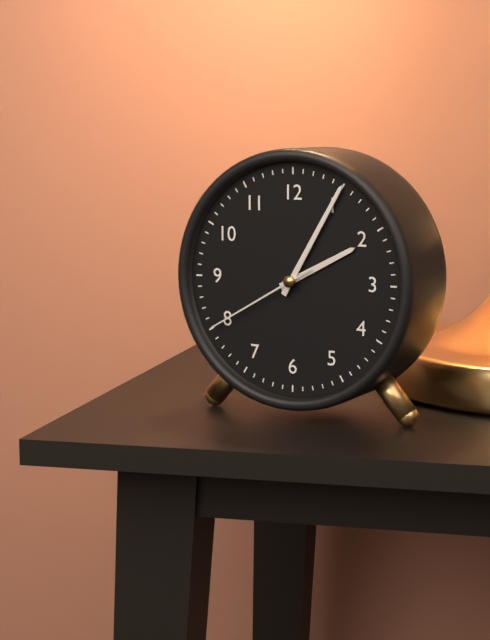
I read {"hour": 2, "minute": 5, "second": 40}
